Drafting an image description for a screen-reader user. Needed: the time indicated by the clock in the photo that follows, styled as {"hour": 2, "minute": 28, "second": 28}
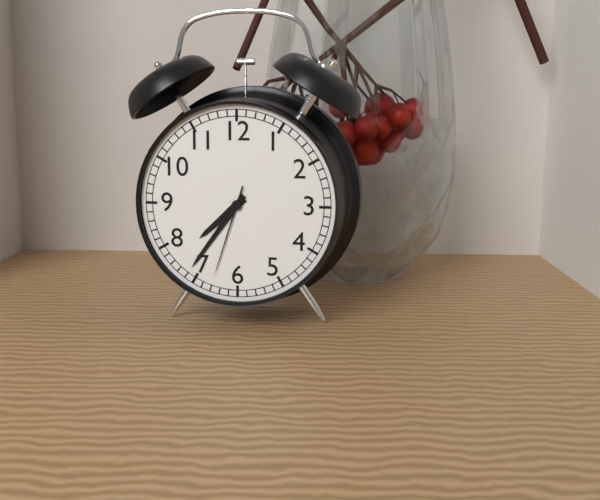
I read {"hour": 7, "minute": 36, "second": 33}
